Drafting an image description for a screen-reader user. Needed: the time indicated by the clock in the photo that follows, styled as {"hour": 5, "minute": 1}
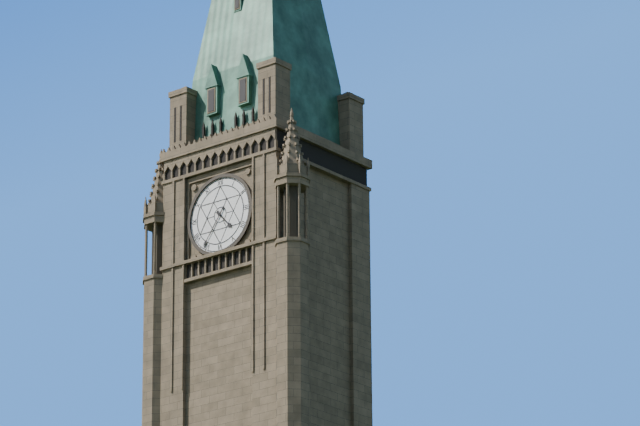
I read {"hour": 4, "minute": 36}
